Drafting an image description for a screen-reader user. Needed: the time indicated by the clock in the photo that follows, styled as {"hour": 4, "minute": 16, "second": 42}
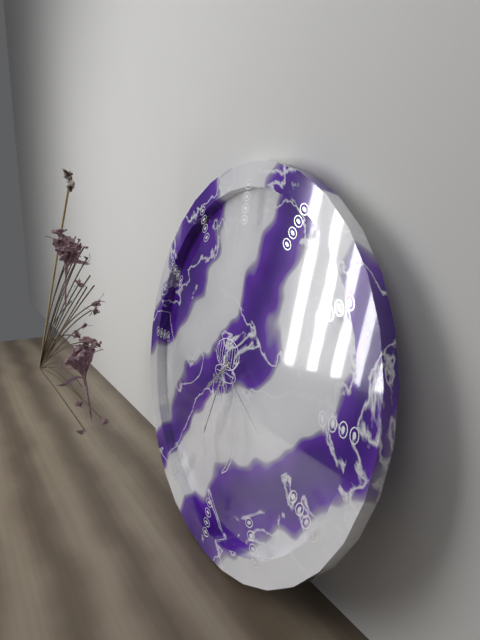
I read {"hour": 7, "minute": 33, "second": 20}
